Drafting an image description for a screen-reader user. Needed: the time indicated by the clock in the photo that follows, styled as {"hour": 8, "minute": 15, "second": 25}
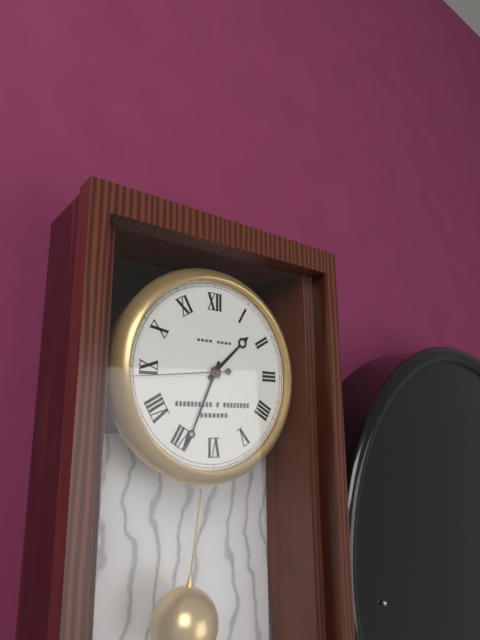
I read {"hour": 1, "minute": 34, "second": 44}
